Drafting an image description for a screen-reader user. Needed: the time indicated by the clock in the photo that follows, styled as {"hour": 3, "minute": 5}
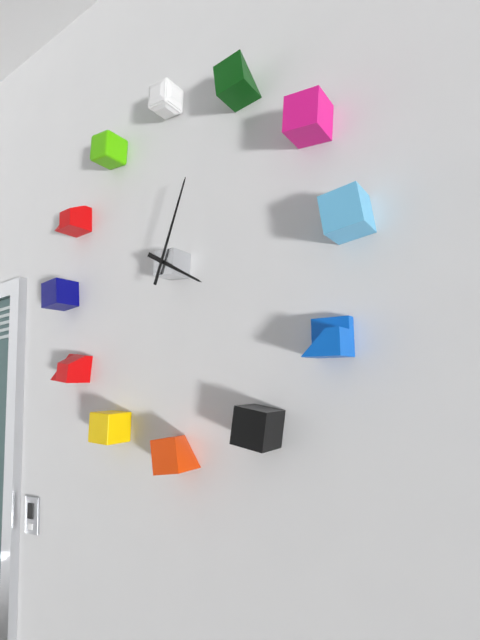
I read {"hour": 4, "minute": 4}
